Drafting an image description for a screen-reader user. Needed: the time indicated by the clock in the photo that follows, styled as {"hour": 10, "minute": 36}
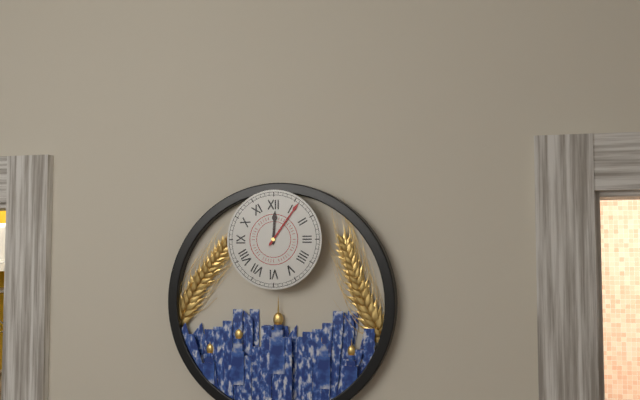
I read {"hour": 12, "minute": 6}
